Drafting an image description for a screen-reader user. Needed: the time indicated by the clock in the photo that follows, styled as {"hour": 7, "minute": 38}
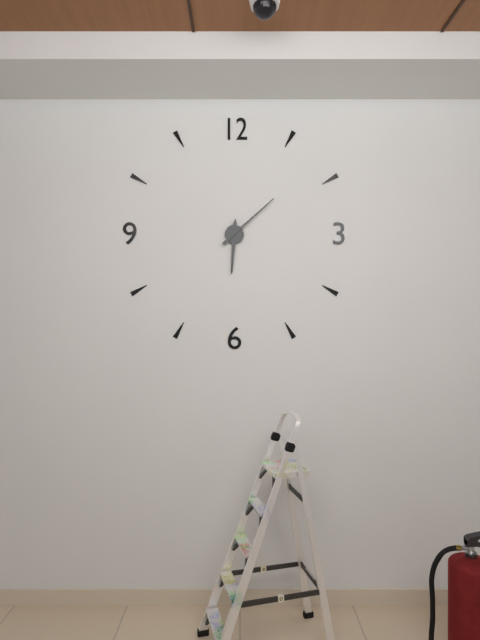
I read {"hour": 6, "minute": 8}
